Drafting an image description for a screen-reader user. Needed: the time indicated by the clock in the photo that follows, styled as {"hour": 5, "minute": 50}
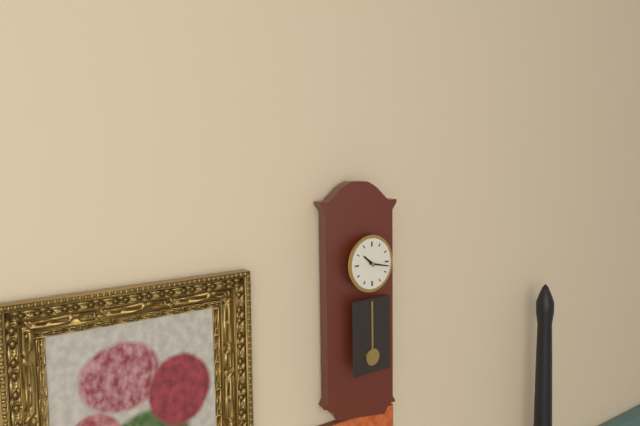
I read {"hour": 10, "minute": 17}
